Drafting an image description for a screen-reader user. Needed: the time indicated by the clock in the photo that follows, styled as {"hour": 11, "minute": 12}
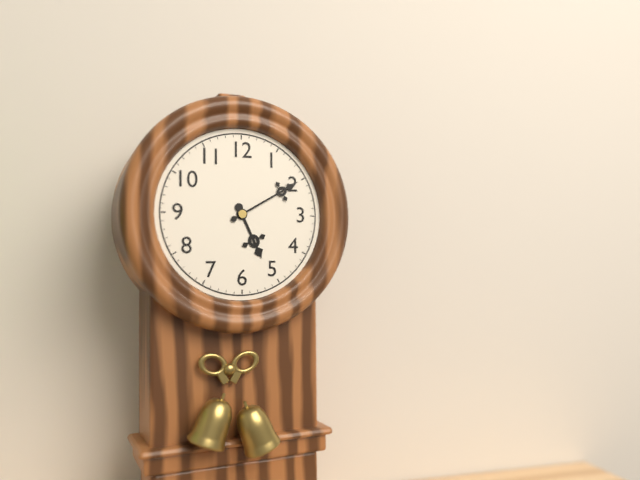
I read {"hour": 5, "minute": 10}
